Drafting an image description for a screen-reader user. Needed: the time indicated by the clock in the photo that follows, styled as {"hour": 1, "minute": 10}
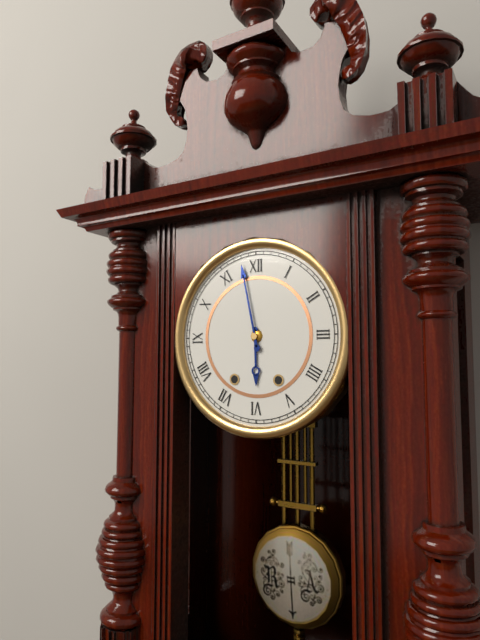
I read {"hour": 5, "minute": 58}
